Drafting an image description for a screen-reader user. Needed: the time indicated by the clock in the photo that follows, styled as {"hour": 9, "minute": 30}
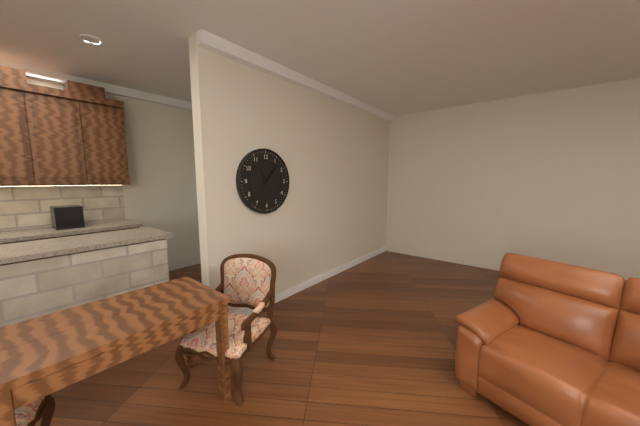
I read {"hour": 11, "minute": 7}
